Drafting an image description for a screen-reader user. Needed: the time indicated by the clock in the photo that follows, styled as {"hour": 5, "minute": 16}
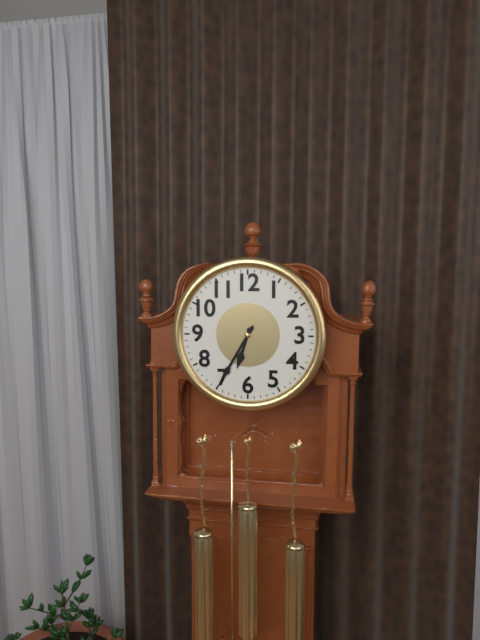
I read {"hour": 6, "minute": 35}
